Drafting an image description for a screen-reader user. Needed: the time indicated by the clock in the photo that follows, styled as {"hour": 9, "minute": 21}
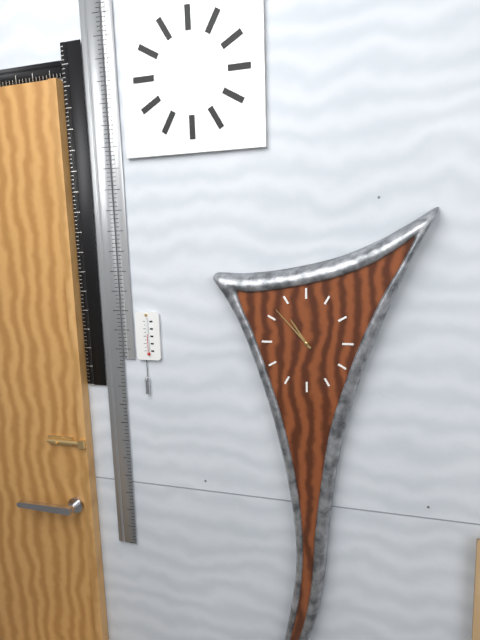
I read {"hour": 10, "minute": 53}
